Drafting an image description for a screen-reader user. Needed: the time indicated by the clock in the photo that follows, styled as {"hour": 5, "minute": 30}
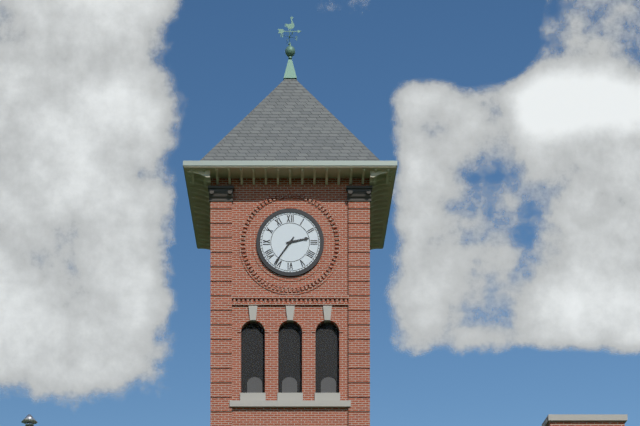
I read {"hour": 2, "minute": 36}
